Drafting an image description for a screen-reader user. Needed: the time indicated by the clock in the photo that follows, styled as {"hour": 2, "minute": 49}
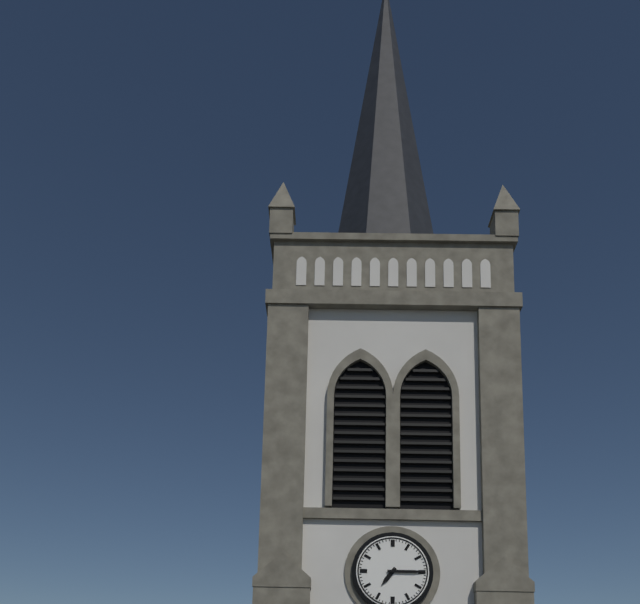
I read {"hour": 7, "minute": 15}
